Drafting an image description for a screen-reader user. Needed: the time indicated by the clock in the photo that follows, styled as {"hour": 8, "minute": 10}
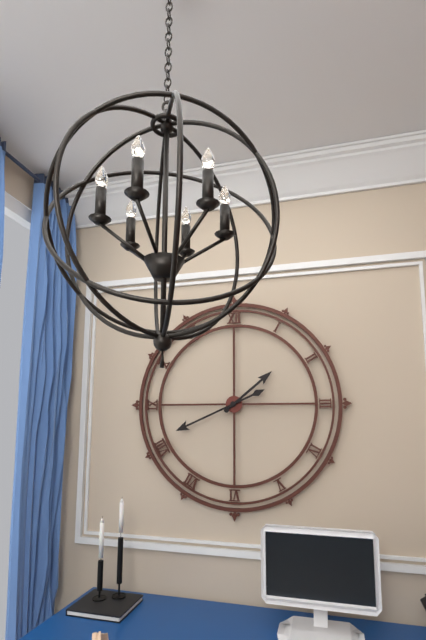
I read {"hour": 1, "minute": 41}
